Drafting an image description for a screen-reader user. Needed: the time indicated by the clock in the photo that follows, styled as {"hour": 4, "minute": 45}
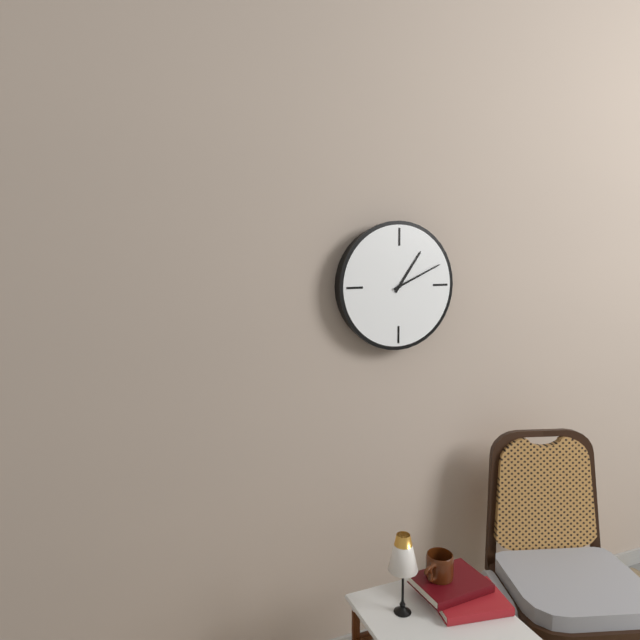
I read {"hour": 1, "minute": 11}
